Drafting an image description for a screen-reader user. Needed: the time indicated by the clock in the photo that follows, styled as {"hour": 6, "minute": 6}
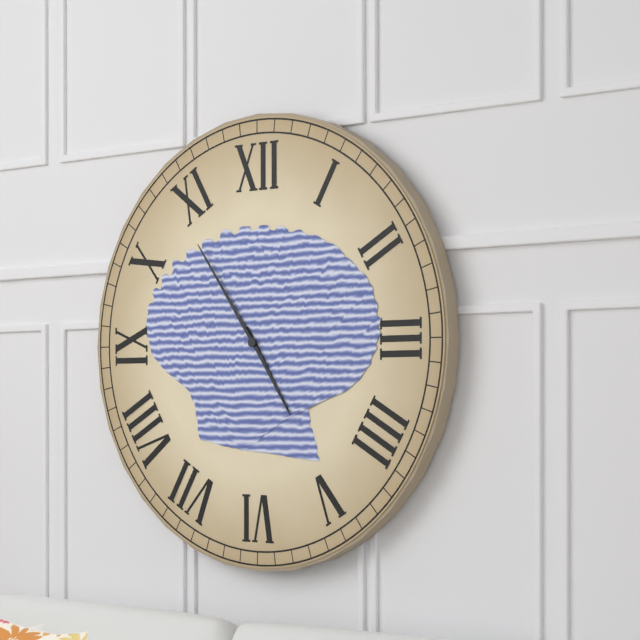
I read {"hour": 4, "minute": 54}
